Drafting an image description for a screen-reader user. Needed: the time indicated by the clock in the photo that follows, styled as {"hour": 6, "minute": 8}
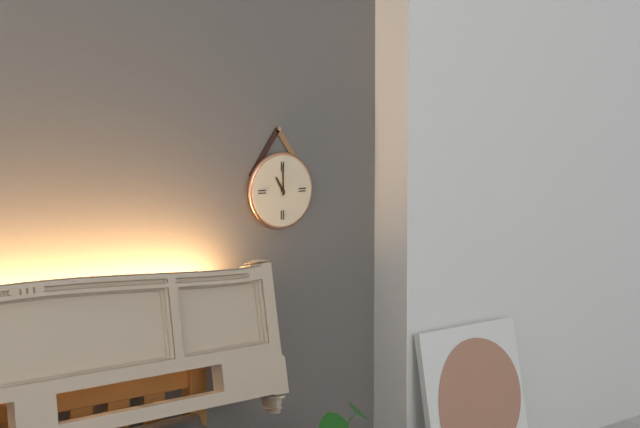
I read {"hour": 11, "minute": 0}
